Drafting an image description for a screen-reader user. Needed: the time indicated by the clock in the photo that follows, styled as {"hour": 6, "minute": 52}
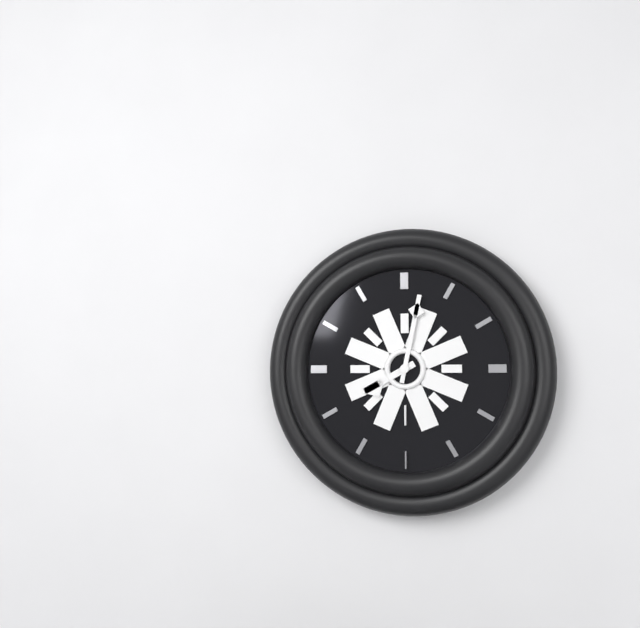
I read {"hour": 8, "minute": 2}
